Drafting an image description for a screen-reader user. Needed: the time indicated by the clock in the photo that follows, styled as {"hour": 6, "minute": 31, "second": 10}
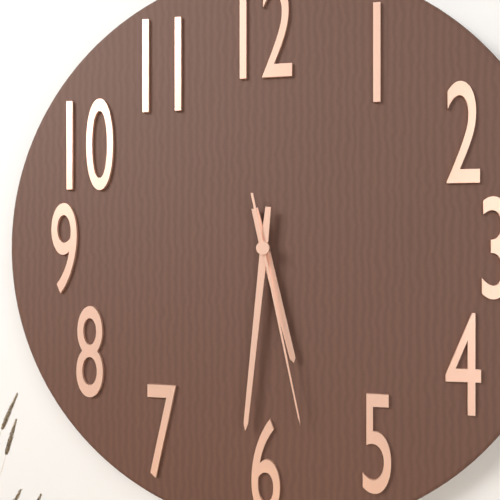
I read {"hour": 5, "minute": 31, "second": 28}
